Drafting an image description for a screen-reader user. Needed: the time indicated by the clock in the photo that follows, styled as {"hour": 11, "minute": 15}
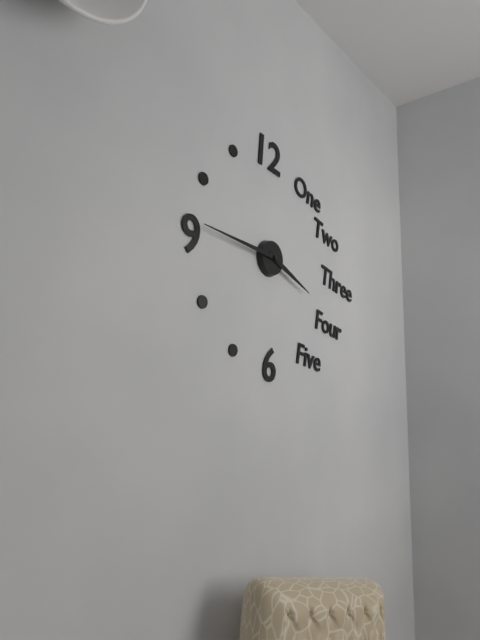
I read {"hour": 3, "minute": 46}
